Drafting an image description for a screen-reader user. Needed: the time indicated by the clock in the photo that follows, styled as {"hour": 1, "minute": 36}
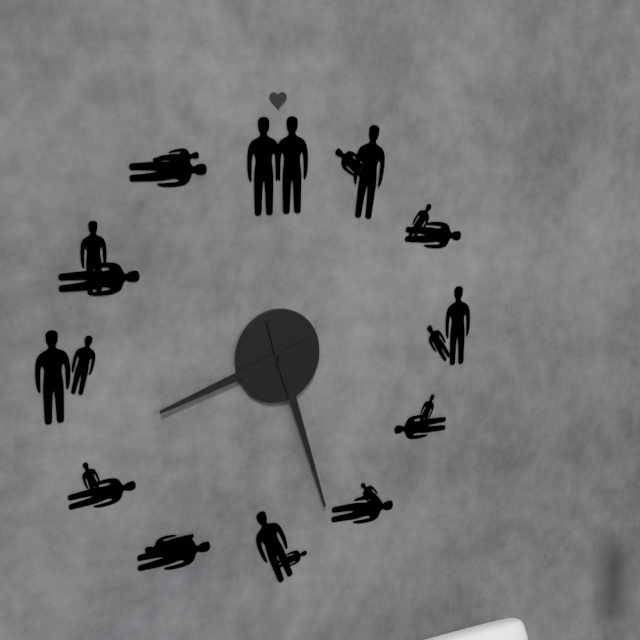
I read {"hour": 8, "minute": 27}
